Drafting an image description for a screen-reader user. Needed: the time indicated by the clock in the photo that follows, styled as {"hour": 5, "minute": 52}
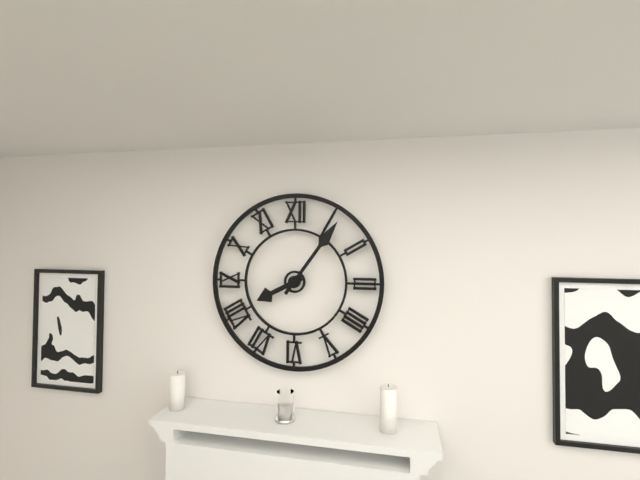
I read {"hour": 8, "minute": 6}
